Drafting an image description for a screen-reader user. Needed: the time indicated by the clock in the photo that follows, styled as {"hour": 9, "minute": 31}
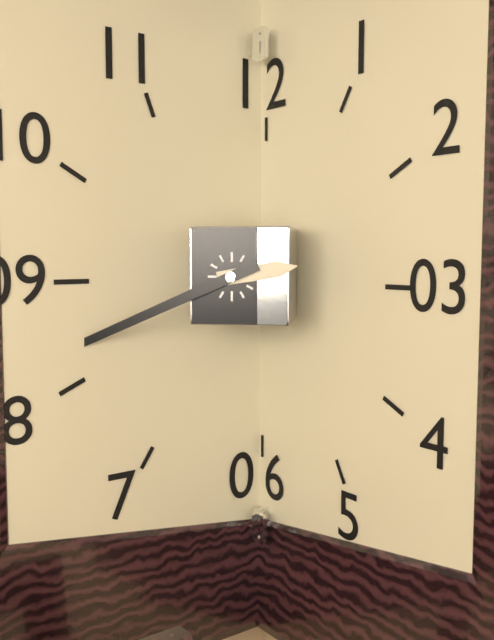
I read {"hour": 2, "minute": 41}
